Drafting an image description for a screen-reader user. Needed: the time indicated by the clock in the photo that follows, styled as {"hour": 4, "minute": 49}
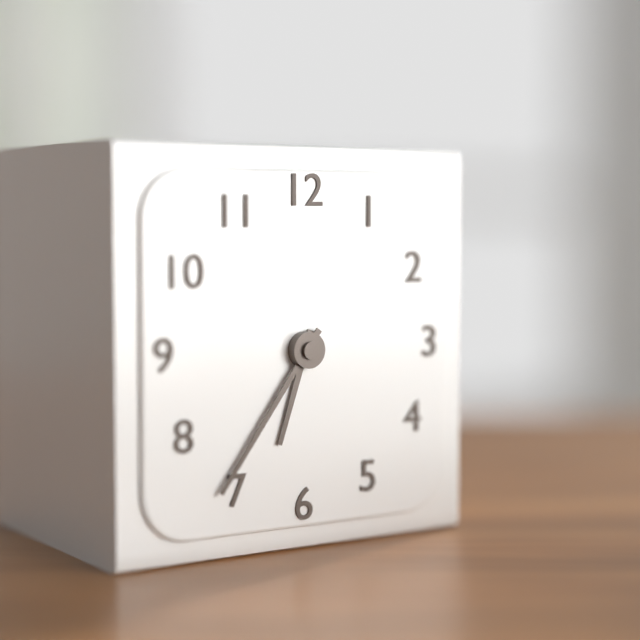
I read {"hour": 6, "minute": 36}
